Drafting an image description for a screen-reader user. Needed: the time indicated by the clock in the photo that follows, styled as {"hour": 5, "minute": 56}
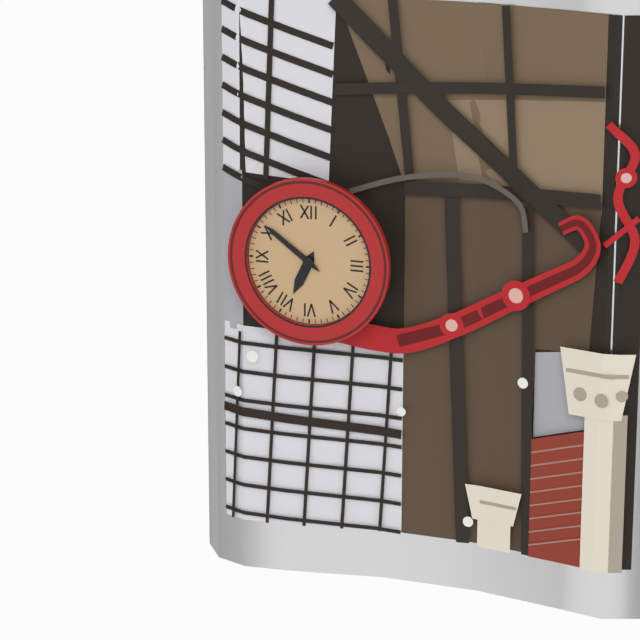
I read {"hour": 6, "minute": 51}
